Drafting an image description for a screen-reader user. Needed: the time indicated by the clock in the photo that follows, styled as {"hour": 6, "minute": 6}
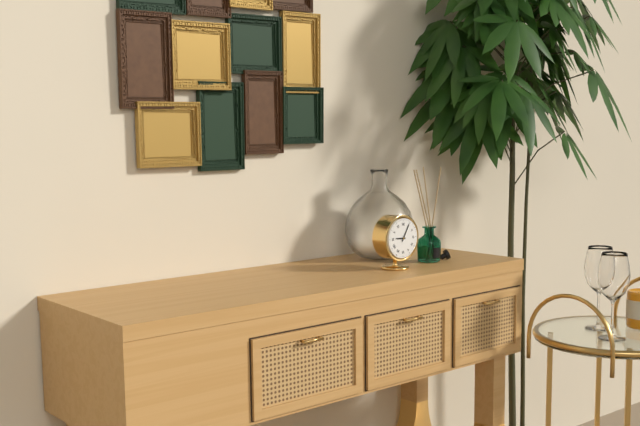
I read {"hour": 9, "minute": 5}
